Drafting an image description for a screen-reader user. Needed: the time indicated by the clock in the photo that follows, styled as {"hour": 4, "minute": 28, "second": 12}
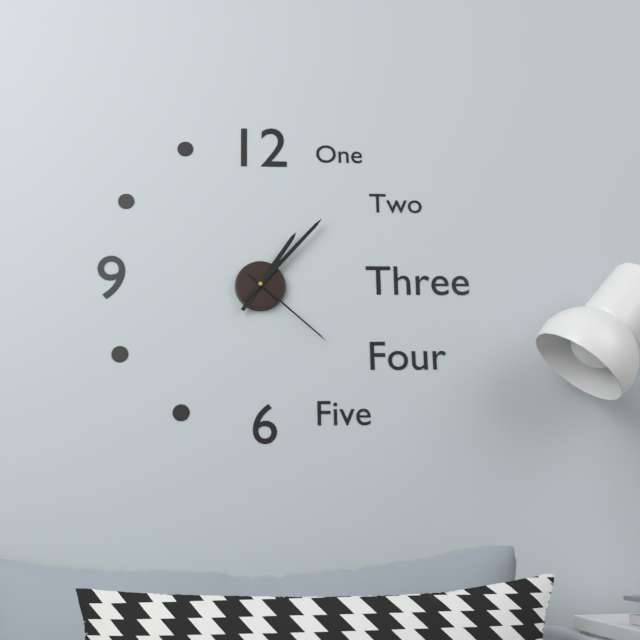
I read {"hour": 1, "minute": 7, "second": 22}
